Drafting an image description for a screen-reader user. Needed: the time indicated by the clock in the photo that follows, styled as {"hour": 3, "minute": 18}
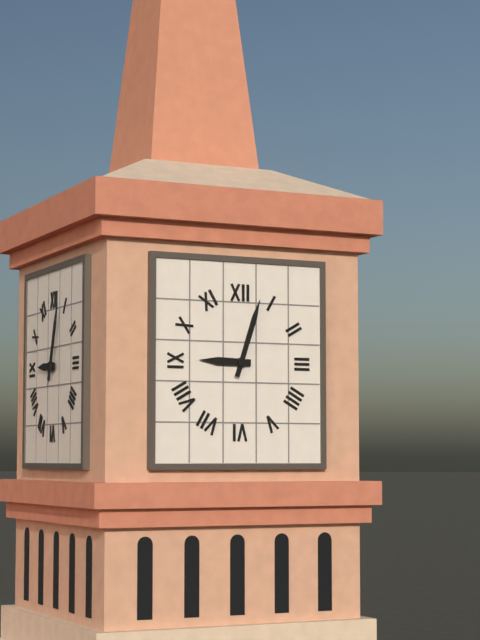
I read {"hour": 9, "minute": 3}
